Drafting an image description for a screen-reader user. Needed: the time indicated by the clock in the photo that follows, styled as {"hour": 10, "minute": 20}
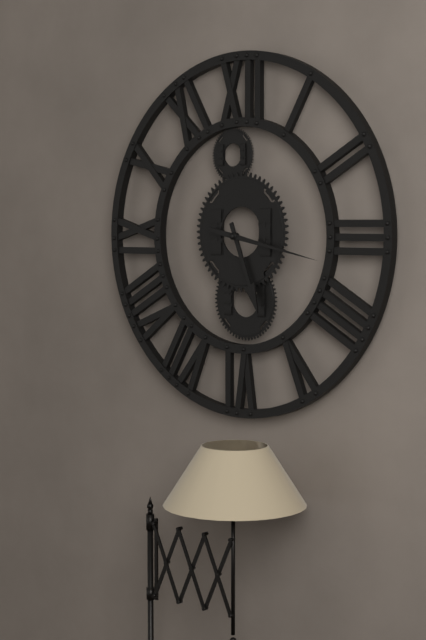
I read {"hour": 5, "minute": 17}
